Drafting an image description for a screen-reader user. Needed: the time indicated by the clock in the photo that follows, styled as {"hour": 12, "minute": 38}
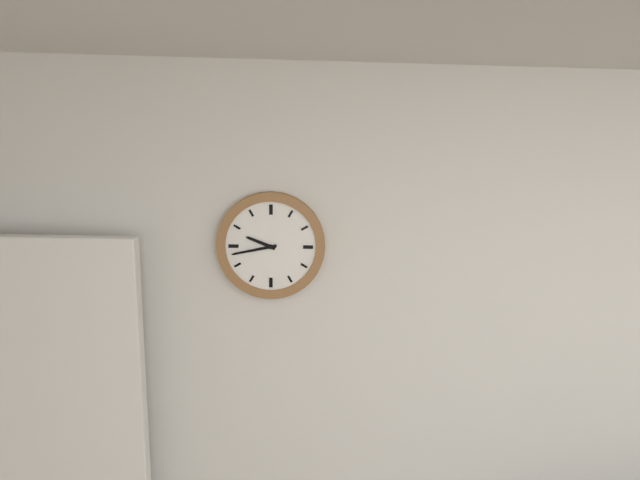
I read {"hour": 9, "minute": 43}
